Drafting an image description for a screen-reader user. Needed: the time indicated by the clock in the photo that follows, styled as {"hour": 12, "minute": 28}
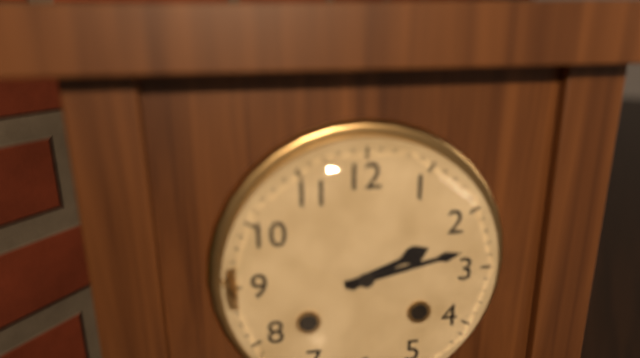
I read {"hour": 2, "minute": 13}
